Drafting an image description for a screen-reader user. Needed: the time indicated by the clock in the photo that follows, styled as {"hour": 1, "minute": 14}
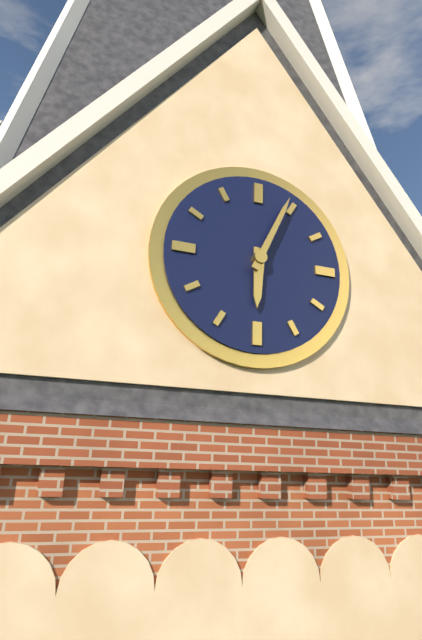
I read {"hour": 6, "minute": 4}
